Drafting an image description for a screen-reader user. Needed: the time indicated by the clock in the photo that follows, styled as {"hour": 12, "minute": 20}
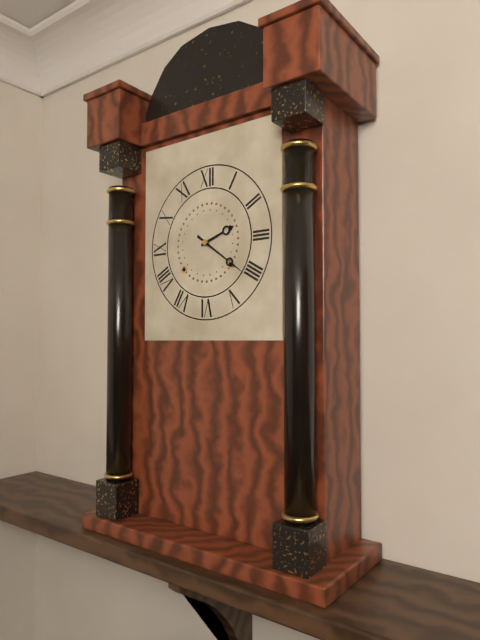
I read {"hour": 2, "minute": 21}
